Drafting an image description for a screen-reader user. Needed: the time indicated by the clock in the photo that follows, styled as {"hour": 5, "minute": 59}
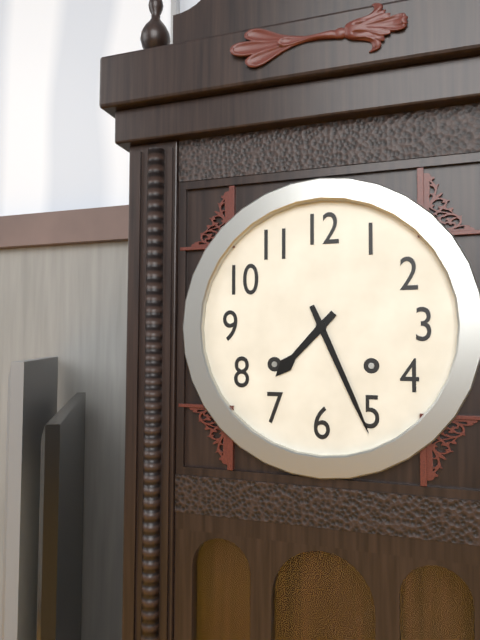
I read {"hour": 7, "minute": 26}
